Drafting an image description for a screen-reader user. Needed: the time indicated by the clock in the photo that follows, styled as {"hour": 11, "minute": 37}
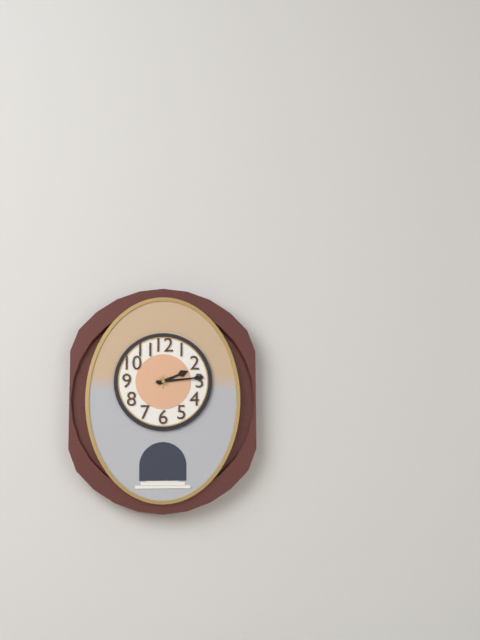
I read {"hour": 2, "minute": 14}
